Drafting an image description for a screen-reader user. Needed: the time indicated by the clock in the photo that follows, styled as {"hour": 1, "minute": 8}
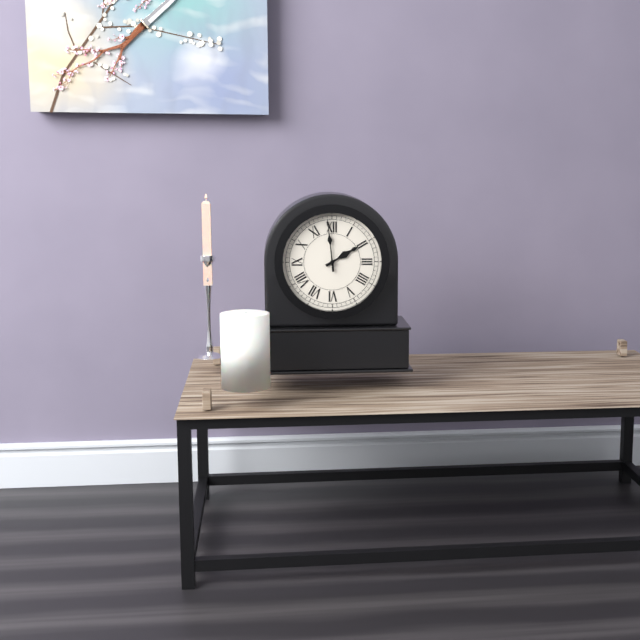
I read {"hour": 1, "minute": 59}
